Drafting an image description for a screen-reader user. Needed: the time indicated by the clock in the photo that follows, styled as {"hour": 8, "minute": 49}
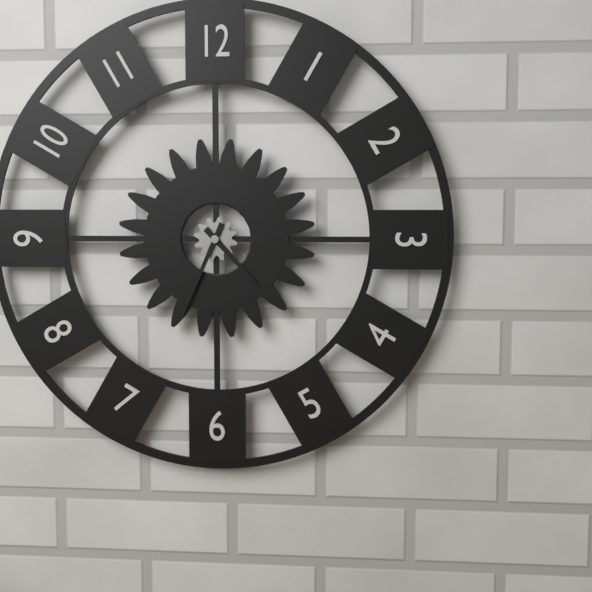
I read {"hour": 4, "minute": 34}
